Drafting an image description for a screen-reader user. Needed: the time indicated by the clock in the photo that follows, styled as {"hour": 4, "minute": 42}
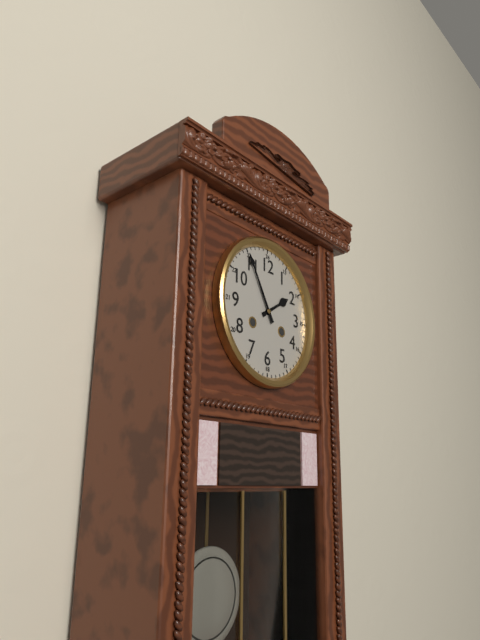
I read {"hour": 1, "minute": 55}
